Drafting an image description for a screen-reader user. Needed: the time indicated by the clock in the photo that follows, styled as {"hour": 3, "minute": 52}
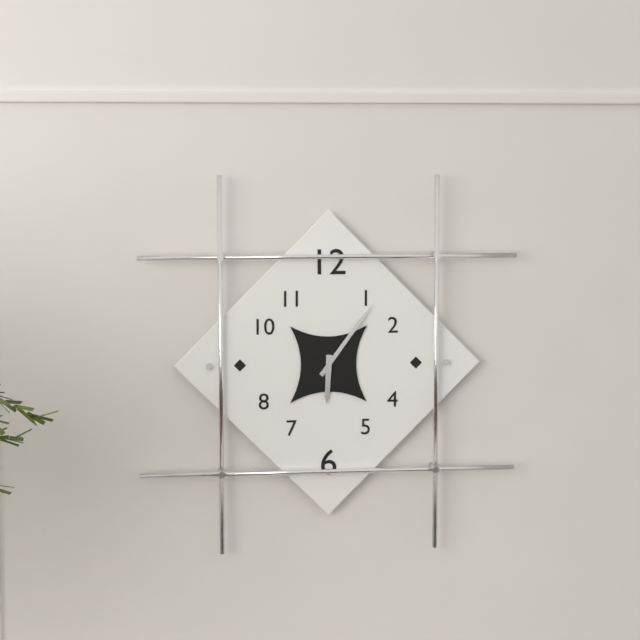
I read {"hour": 6, "minute": 6}
